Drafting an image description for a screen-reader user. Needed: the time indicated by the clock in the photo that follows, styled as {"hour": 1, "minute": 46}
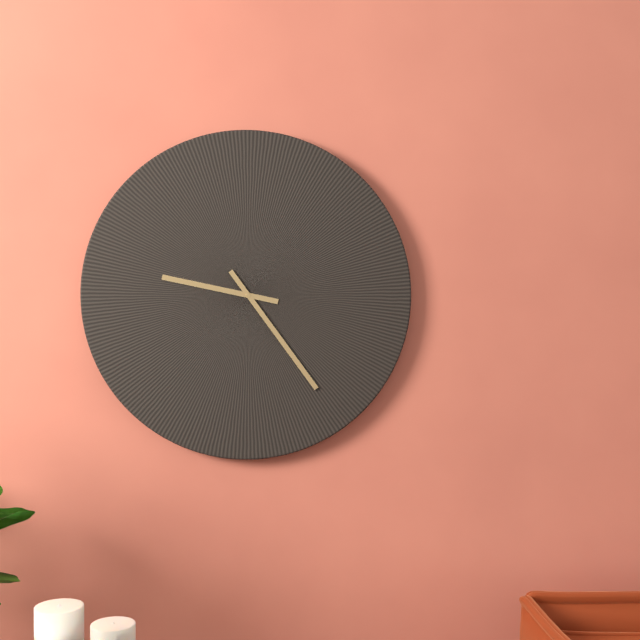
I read {"hour": 9, "minute": 24}
